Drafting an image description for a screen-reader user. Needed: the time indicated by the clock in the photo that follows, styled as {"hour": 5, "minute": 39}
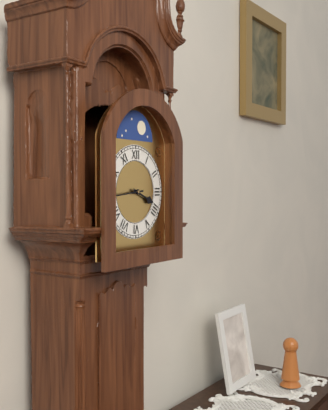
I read {"hour": 3, "minute": 44}
